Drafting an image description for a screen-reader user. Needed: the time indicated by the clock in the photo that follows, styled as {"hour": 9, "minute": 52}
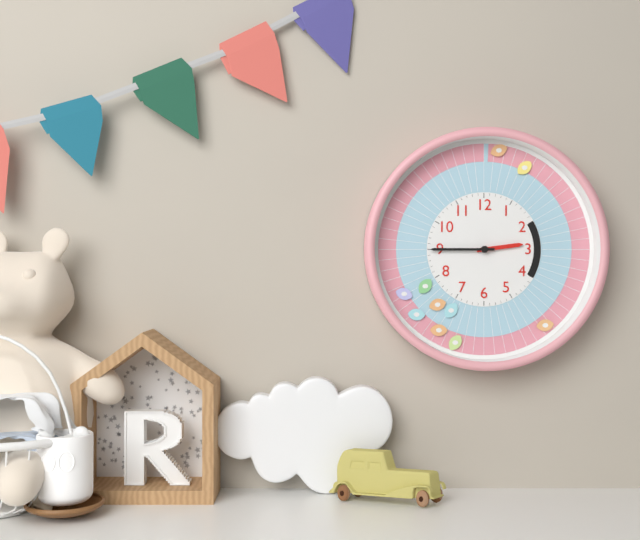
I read {"hour": 2, "minute": 45}
